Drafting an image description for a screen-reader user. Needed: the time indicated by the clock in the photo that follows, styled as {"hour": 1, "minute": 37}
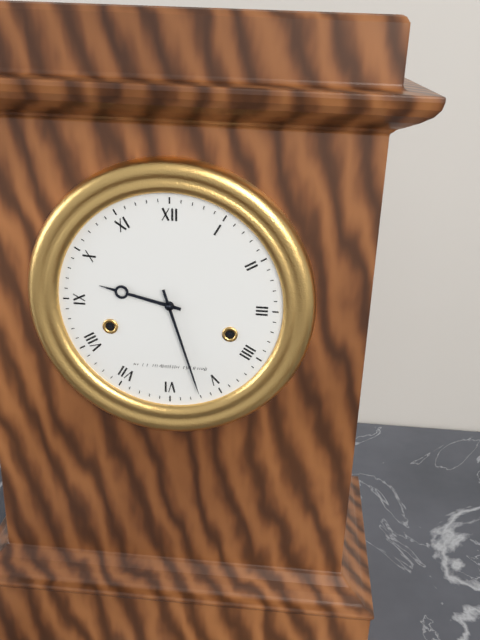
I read {"hour": 9, "minute": 27}
